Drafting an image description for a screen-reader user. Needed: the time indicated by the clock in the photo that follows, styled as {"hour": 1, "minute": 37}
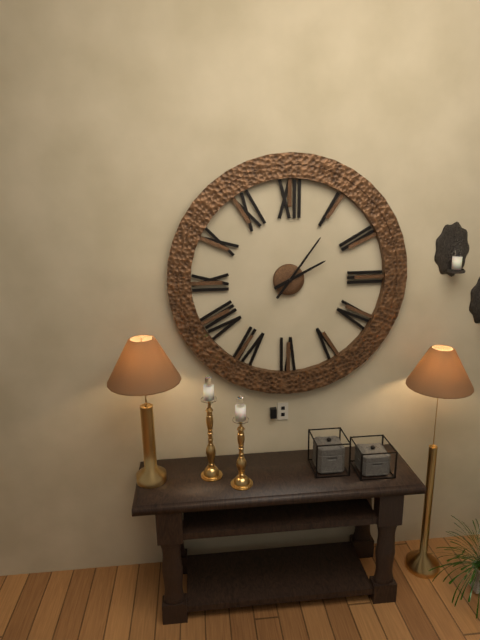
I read {"hour": 2, "minute": 6}
